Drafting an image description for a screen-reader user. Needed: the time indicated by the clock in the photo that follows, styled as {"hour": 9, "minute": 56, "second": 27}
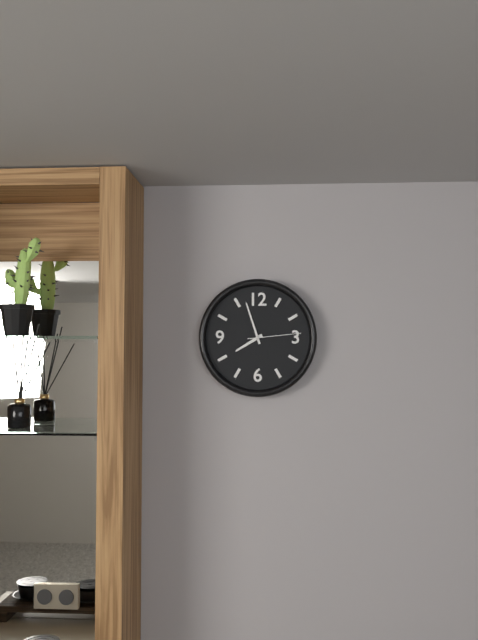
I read {"hour": 7, "minute": 57, "second": 14}
